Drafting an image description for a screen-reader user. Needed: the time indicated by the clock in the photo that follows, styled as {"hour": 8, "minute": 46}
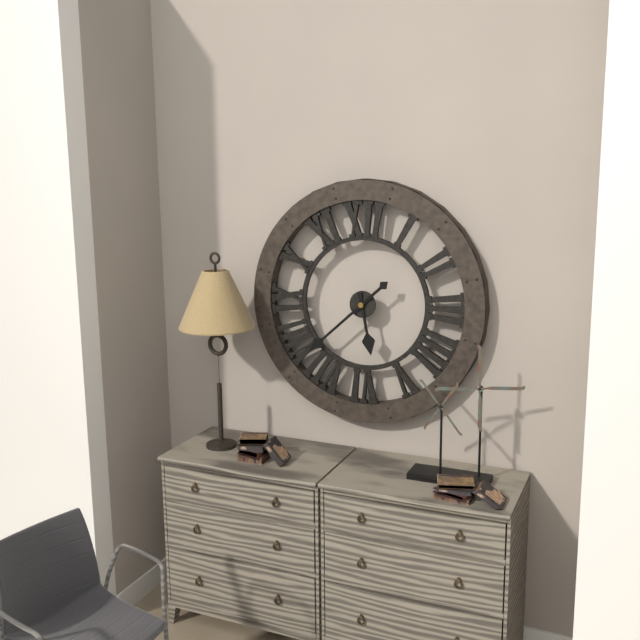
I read {"hour": 5, "minute": 38}
